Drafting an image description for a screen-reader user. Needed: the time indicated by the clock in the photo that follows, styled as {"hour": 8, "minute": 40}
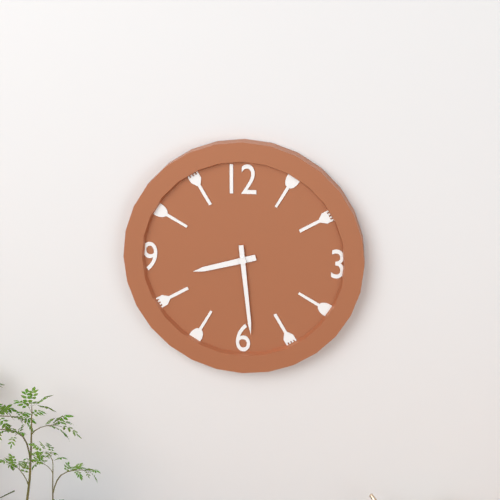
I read {"hour": 8, "minute": 29}
